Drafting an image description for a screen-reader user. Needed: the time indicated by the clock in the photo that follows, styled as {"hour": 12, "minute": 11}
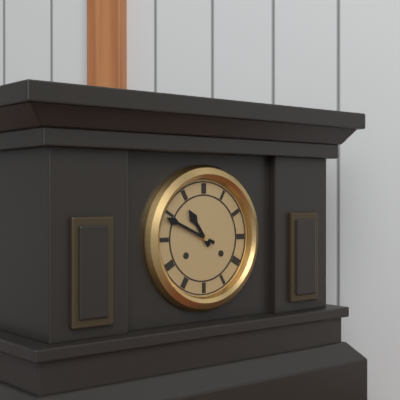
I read {"hour": 10, "minute": 49}
